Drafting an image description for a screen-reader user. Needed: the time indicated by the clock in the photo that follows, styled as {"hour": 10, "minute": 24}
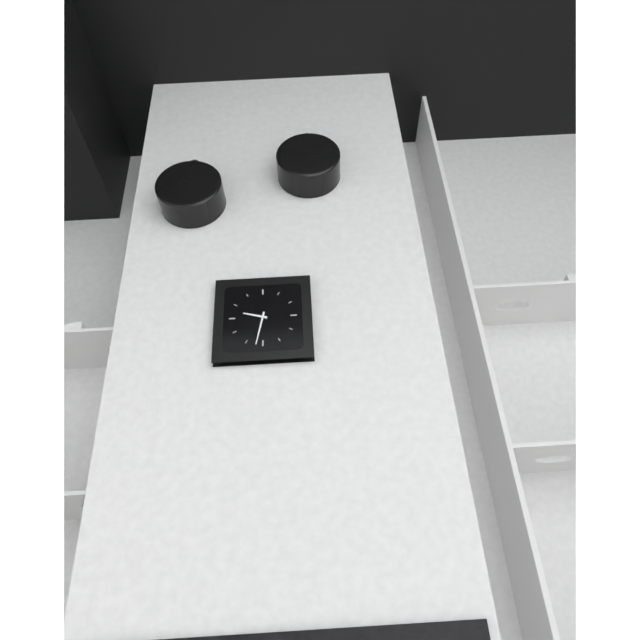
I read {"hour": 9, "minute": 32}
